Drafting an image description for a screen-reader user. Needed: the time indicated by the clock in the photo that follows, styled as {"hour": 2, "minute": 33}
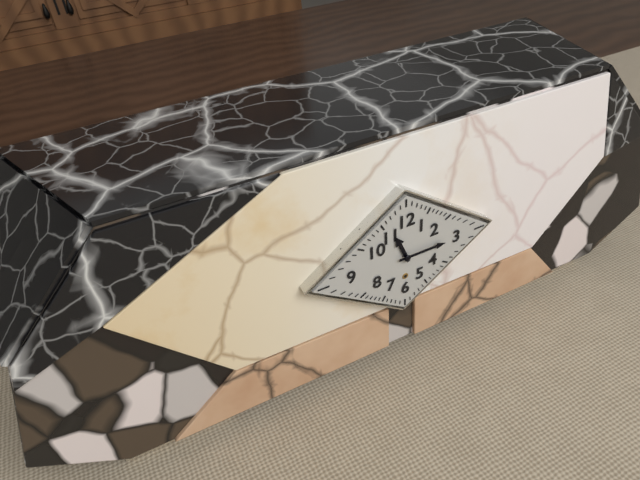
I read {"hour": 11, "minute": 15}
